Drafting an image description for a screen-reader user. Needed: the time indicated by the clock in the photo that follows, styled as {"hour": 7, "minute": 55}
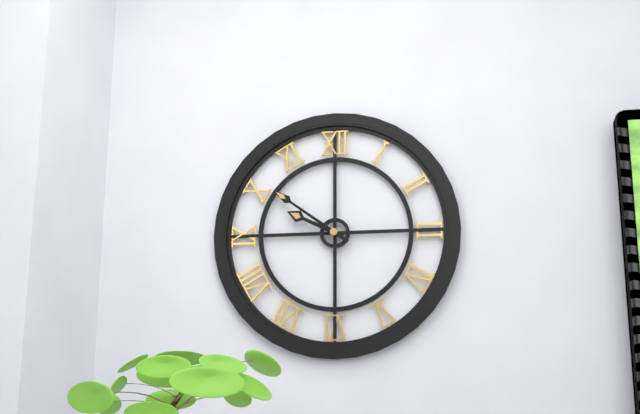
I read {"hour": 9, "minute": 51}
